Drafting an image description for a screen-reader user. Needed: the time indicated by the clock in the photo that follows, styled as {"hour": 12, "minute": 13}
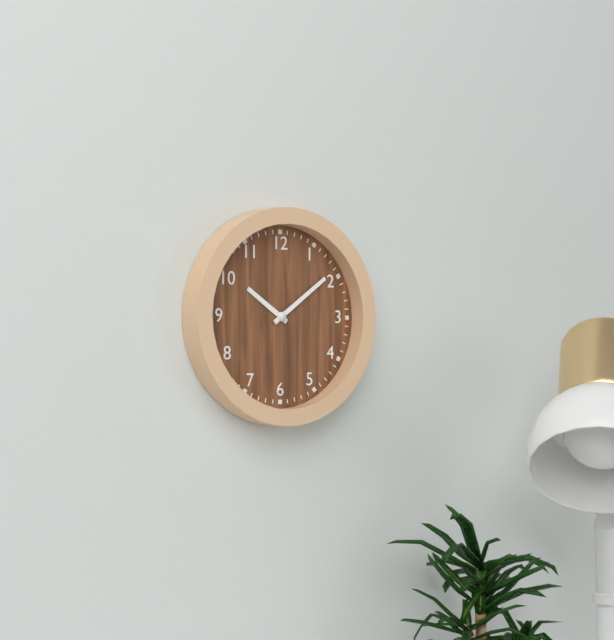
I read {"hour": 10, "minute": 9}
